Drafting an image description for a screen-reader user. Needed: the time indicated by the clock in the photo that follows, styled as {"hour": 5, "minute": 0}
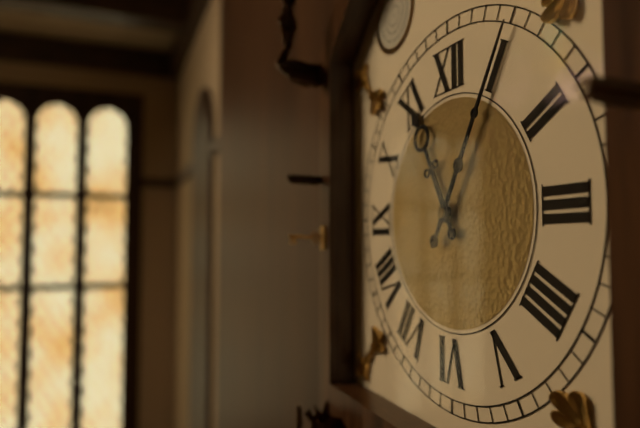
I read {"hour": 11, "minute": 5}
